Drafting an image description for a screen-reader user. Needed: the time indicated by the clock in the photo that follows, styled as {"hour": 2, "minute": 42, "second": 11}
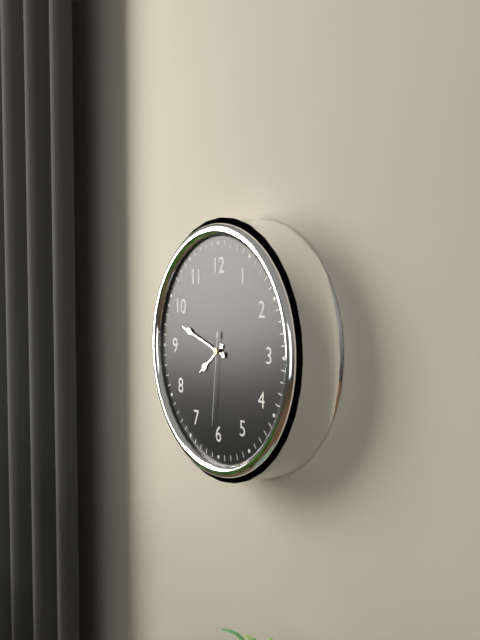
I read {"hour": 7, "minute": 48, "second": 31}
